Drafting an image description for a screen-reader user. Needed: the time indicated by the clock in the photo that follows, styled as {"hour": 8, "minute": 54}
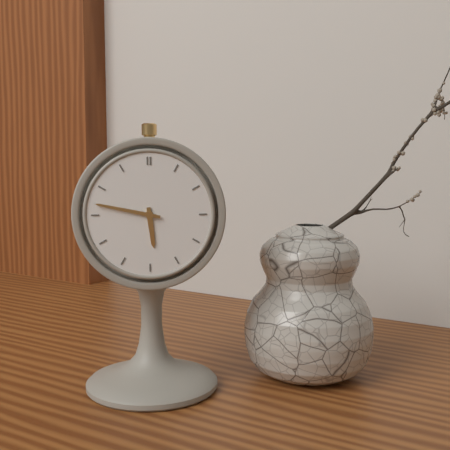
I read {"hour": 5, "minute": 47}
